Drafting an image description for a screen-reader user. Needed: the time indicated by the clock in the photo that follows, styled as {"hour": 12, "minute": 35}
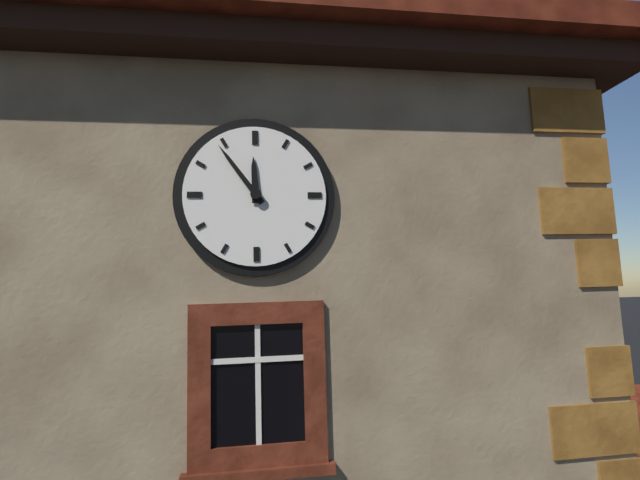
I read {"hour": 11, "minute": 54}
